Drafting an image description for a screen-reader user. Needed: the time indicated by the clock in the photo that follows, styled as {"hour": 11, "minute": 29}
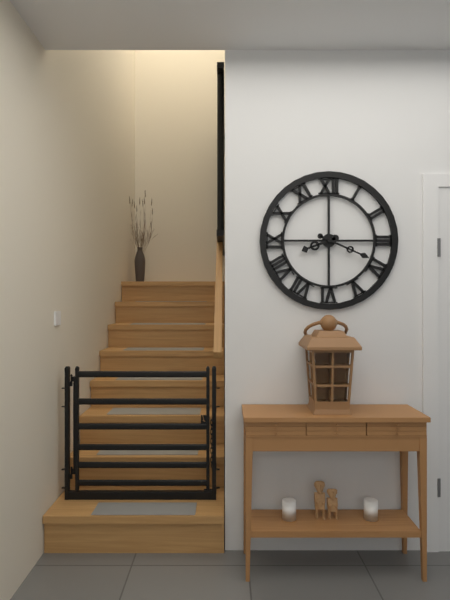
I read {"hour": 8, "minute": 19}
